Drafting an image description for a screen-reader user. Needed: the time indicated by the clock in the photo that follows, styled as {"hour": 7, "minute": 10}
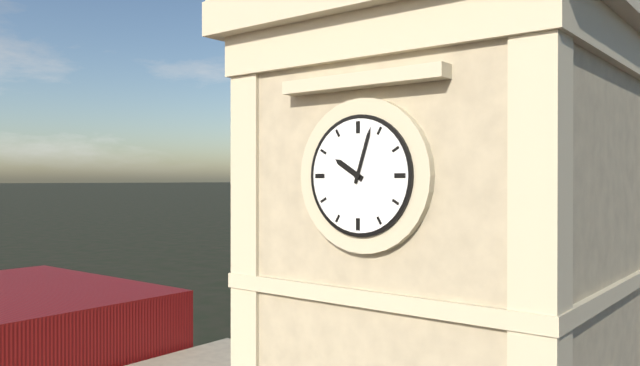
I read {"hour": 10, "minute": 3}
